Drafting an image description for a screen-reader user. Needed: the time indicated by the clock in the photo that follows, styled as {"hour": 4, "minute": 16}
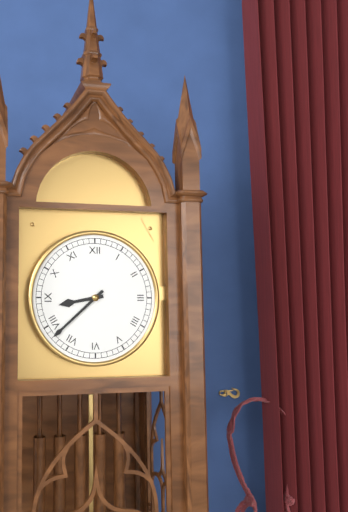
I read {"hour": 8, "minute": 38}
